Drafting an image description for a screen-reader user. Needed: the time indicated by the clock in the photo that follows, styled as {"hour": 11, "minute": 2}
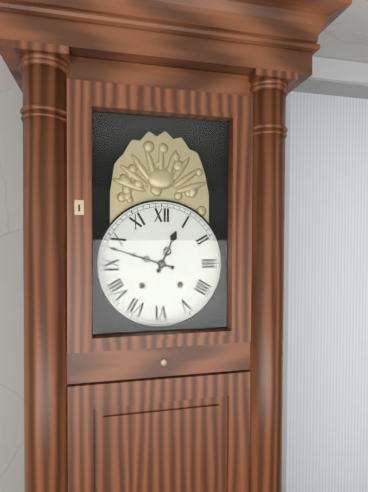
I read {"hour": 12, "minute": 48}
